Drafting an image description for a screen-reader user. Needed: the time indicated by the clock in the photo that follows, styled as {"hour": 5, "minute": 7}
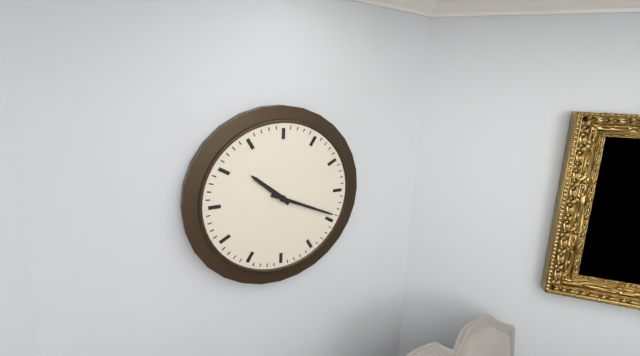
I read {"hour": 10, "minute": 19}
